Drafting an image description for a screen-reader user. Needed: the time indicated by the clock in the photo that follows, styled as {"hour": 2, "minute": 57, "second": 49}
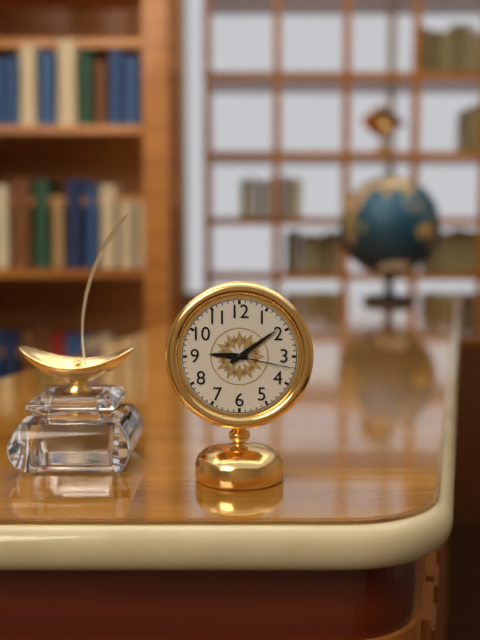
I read {"hour": 9, "minute": 9, "second": 17}
